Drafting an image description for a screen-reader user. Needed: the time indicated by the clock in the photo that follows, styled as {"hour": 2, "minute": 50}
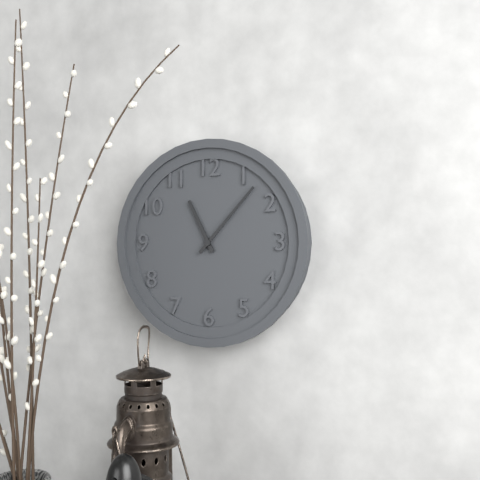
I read {"hour": 11, "minute": 7}
